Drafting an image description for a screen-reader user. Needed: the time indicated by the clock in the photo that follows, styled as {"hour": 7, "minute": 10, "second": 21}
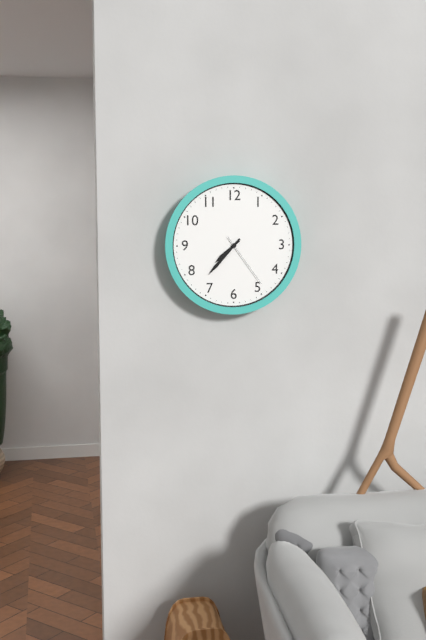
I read {"hour": 7, "minute": 37, "second": 24}
